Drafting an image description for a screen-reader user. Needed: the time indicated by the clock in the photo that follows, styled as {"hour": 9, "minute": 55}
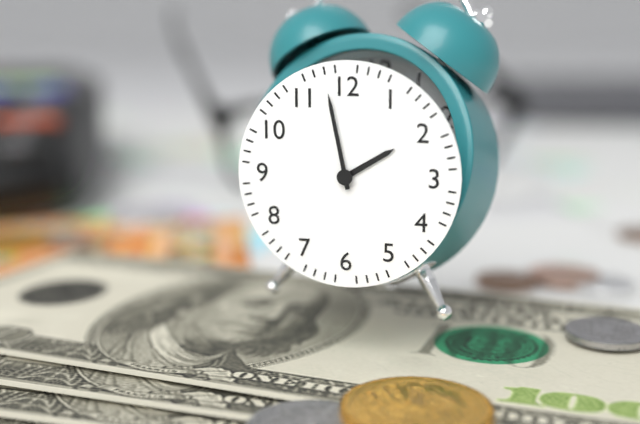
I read {"hour": 1, "minute": 58}
